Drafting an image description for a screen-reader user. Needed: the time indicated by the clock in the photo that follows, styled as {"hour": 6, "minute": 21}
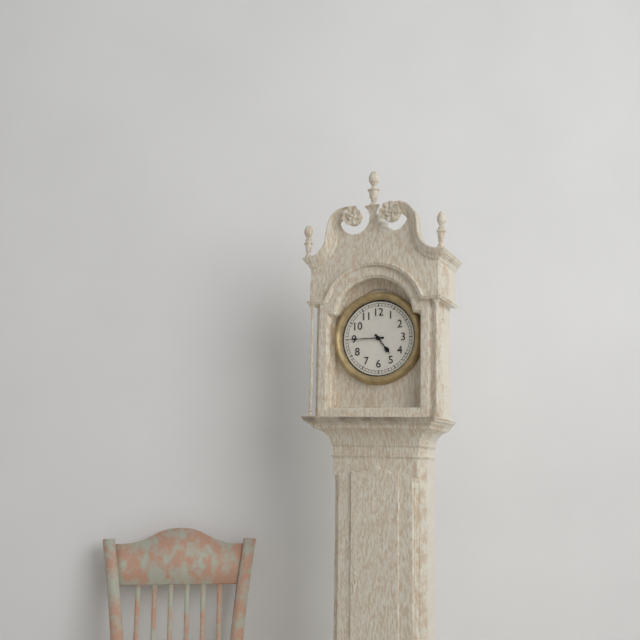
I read {"hour": 4, "minute": 45}
